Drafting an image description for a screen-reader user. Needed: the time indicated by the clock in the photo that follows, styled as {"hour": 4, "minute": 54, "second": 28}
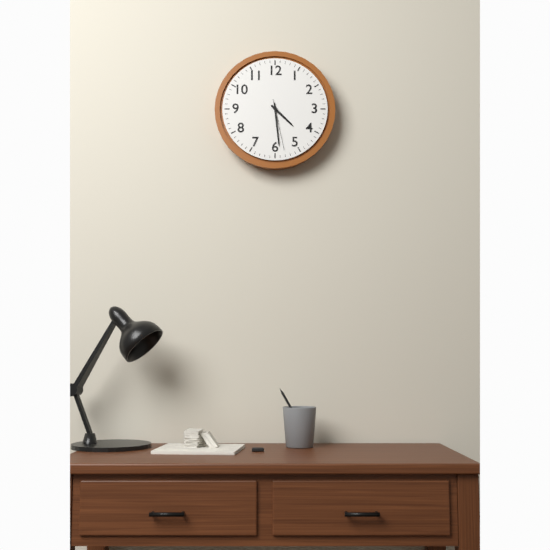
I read {"hour": 4, "minute": 29, "second": 28}
